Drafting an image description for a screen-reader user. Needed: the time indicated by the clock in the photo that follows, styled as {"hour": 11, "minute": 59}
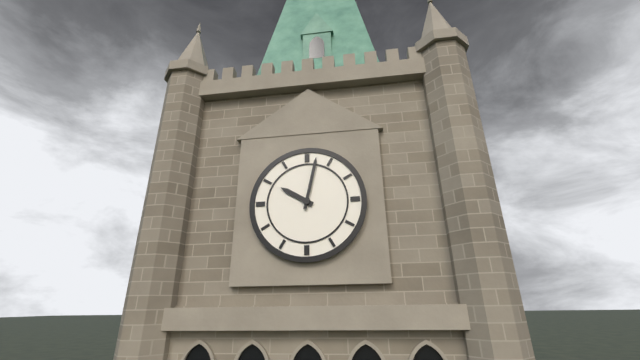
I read {"hour": 10, "minute": 2}
